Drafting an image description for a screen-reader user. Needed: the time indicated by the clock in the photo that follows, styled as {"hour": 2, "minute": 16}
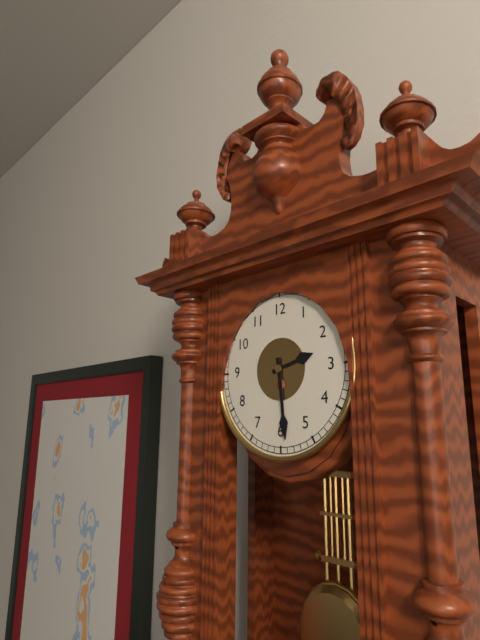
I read {"hour": 2, "minute": 29}
